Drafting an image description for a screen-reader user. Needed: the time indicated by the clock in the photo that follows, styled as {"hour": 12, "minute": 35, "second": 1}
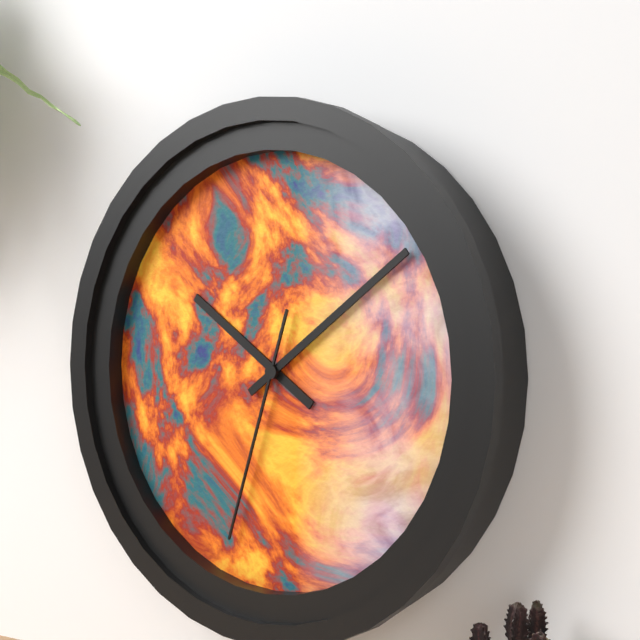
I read {"hour": 10, "minute": 9, "second": 33}
